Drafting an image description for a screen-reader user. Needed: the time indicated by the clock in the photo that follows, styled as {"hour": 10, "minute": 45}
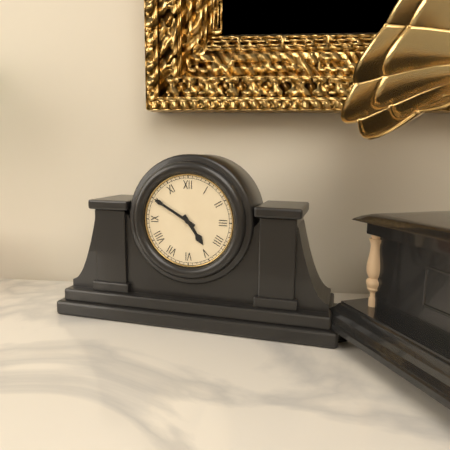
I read {"hour": 4, "minute": 50}
